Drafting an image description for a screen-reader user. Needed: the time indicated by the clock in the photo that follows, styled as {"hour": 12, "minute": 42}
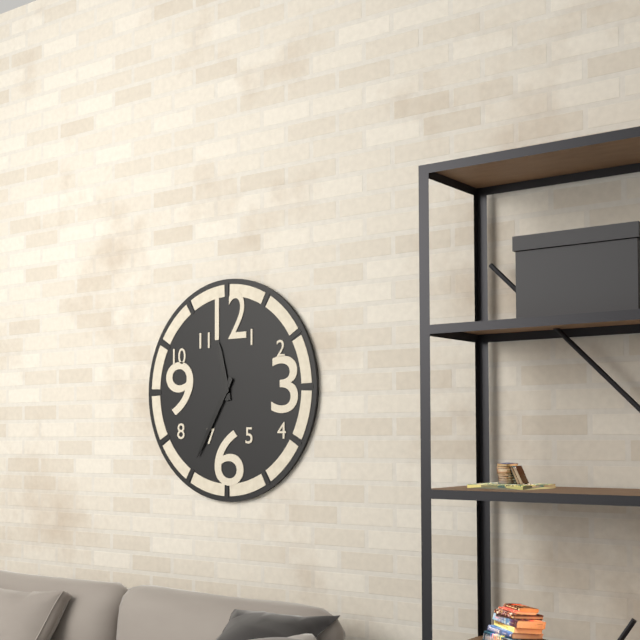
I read {"hour": 11, "minute": 35}
